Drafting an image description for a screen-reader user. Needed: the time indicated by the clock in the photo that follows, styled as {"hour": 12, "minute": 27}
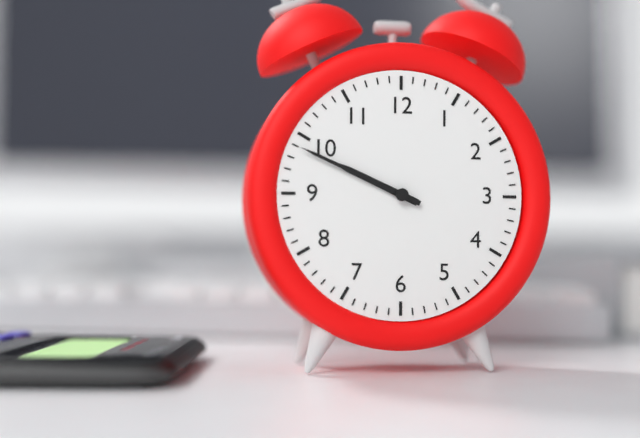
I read {"hour": 9, "minute": 49}
